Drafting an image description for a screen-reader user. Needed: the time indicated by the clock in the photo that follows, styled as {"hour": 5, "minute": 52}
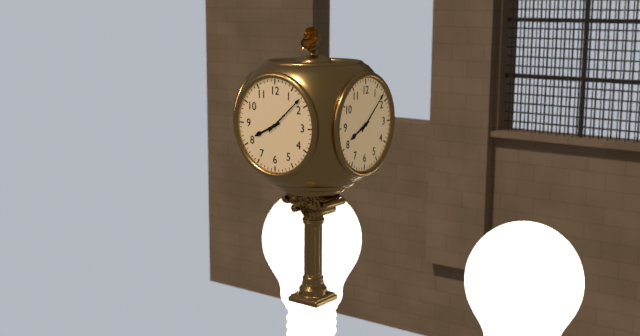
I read {"hour": 8, "minute": 8}
